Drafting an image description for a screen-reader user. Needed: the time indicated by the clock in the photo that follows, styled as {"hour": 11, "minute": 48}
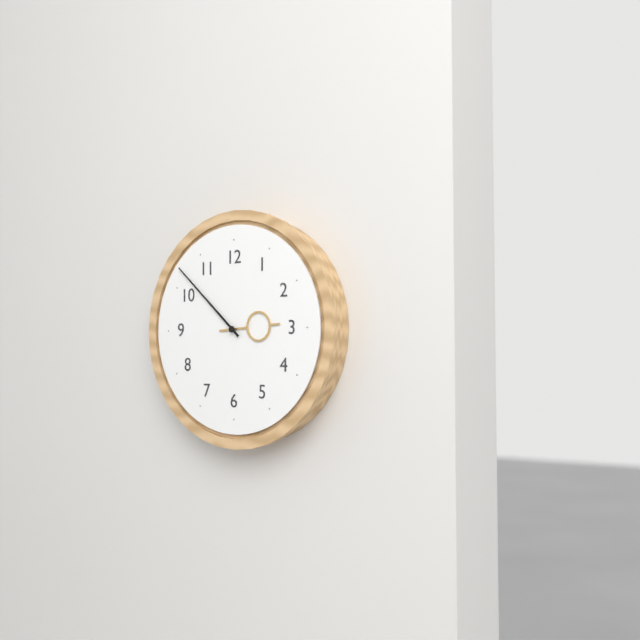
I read {"hour": 2, "minute": 52}
